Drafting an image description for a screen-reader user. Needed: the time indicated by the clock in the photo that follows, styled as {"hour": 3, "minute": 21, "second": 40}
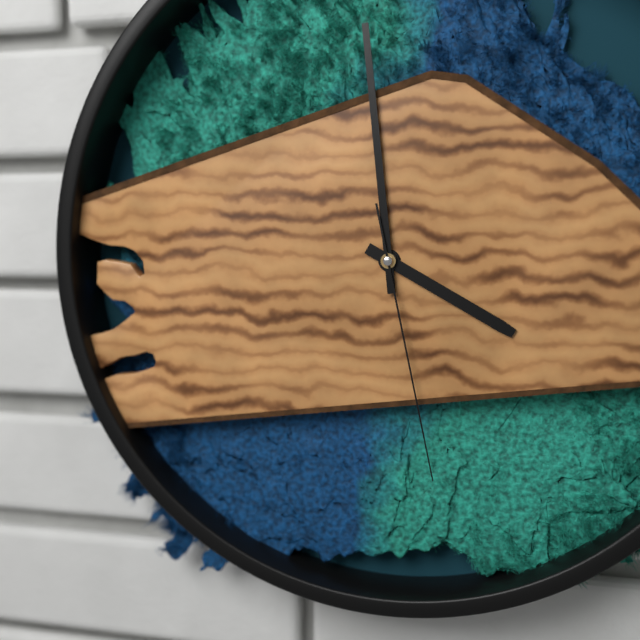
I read {"hour": 3, "minute": 59, "second": 28}
